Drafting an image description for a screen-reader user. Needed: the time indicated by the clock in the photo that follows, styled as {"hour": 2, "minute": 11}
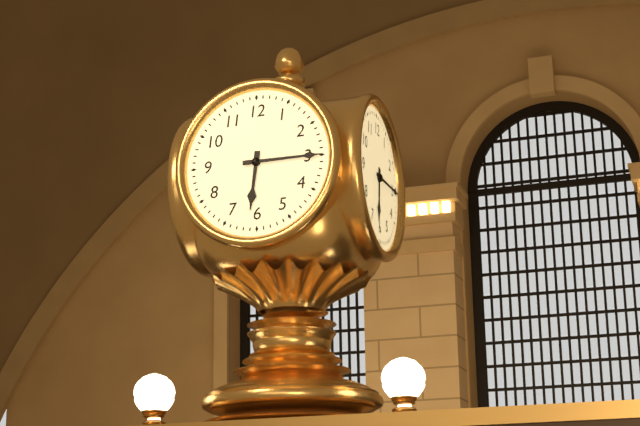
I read {"hour": 6, "minute": 15}
